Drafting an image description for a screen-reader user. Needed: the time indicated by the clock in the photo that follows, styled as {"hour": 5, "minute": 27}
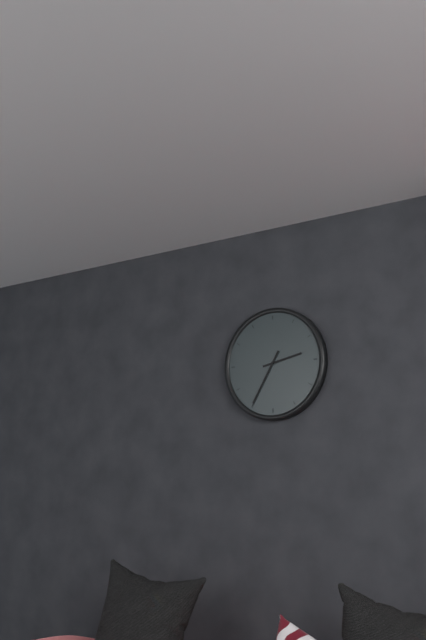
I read {"hour": 2, "minute": 35}
